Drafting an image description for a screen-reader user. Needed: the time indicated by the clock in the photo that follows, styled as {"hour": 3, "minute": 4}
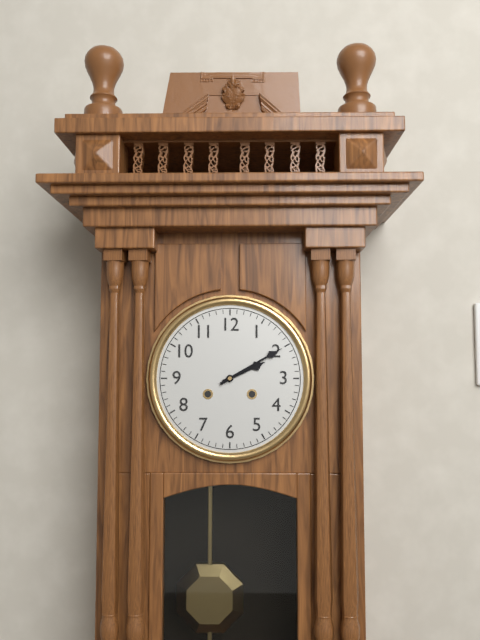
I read {"hour": 2, "minute": 10}
